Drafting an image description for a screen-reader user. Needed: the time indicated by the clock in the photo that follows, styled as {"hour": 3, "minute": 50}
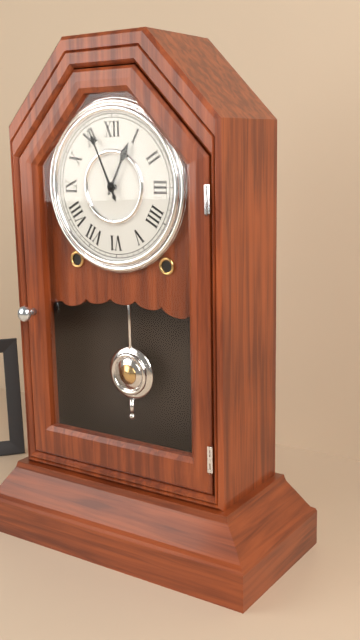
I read {"hour": 12, "minute": 56}
